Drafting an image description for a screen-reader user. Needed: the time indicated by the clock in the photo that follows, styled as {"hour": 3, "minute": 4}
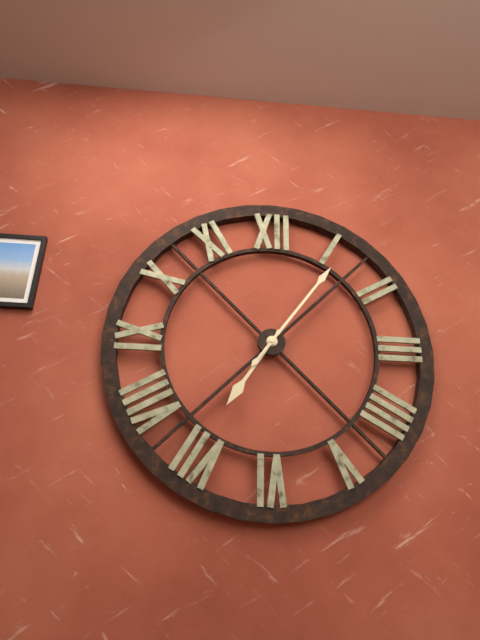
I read {"hour": 7, "minute": 6}
